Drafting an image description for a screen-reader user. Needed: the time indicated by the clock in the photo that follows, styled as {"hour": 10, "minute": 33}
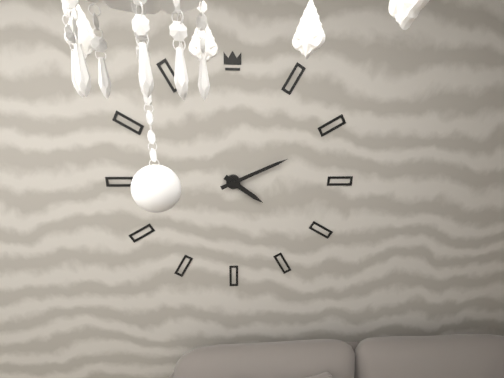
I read {"hour": 4, "minute": 11}
